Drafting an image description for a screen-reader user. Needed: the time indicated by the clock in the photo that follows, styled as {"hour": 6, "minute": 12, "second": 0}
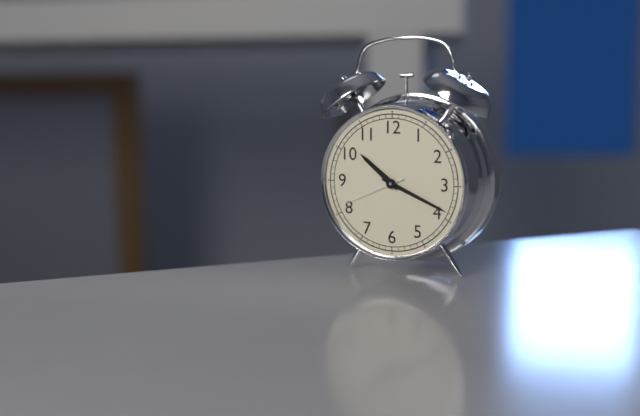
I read {"hour": 10, "minute": 19, "second": 41}
